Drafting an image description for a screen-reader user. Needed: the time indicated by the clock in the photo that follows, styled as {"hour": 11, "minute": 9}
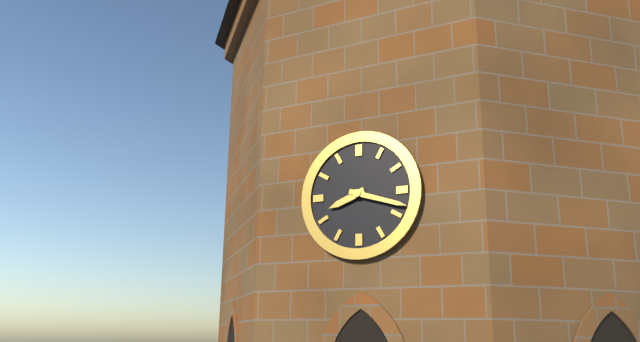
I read {"hour": 8, "minute": 18}
